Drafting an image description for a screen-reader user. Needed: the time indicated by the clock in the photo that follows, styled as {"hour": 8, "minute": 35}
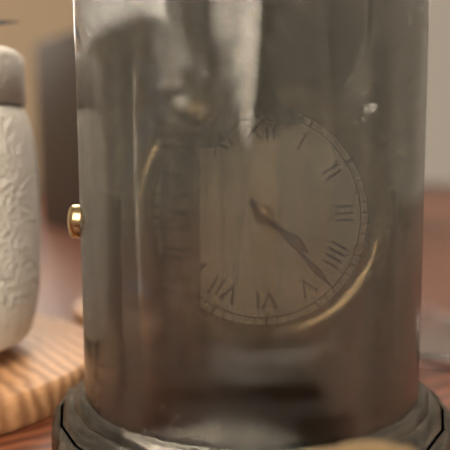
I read {"hour": 4, "minute": 23}
